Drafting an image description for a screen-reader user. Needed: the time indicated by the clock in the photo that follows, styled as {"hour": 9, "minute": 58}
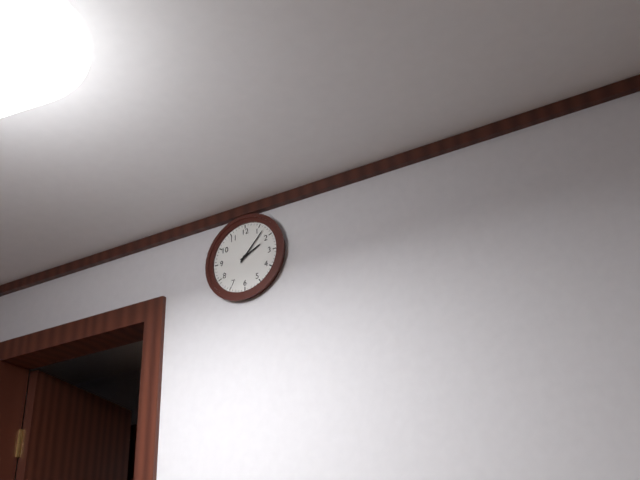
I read {"hour": 2, "minute": 7}
